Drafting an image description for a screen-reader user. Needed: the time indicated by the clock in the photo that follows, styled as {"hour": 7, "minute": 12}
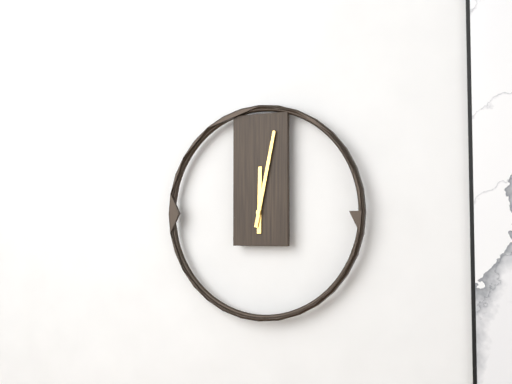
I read {"hour": 12, "minute": 2}
